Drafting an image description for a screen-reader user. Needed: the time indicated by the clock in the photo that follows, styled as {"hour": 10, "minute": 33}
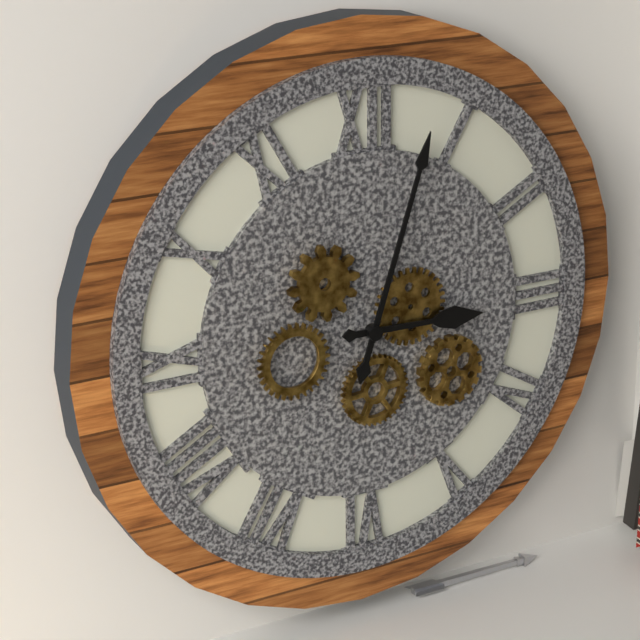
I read {"hour": 3, "minute": 3}
